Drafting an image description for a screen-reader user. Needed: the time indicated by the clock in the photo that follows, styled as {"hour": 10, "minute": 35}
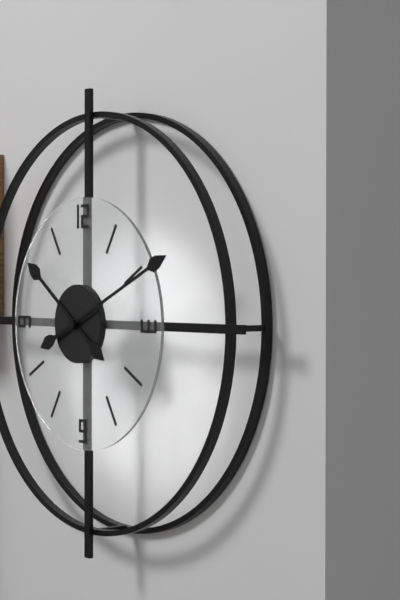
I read {"hour": 10, "minute": 11}
